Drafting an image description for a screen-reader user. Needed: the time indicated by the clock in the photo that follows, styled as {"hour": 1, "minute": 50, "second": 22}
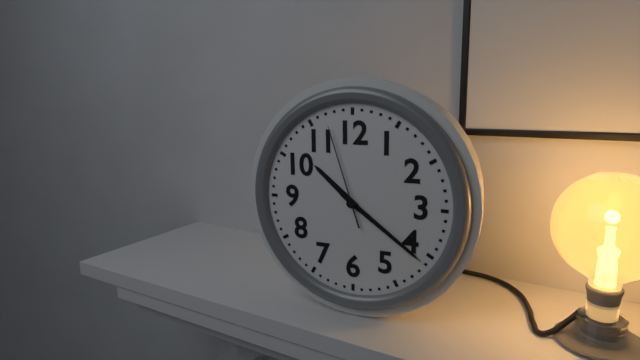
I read {"hour": 10, "minute": 21, "second": 57}
